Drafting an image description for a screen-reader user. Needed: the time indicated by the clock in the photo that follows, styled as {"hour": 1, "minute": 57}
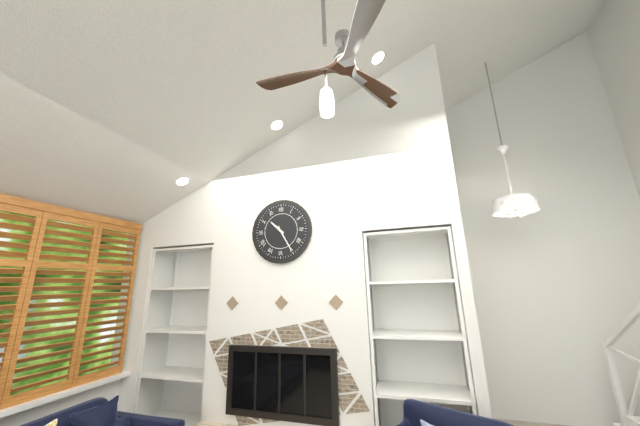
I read {"hour": 10, "minute": 25}
